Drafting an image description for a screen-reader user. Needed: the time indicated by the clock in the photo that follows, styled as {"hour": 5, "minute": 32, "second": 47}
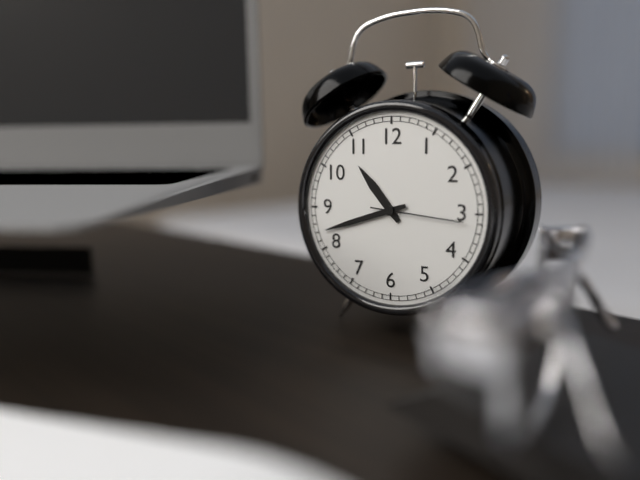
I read {"hour": 10, "minute": 42, "second": 16}
